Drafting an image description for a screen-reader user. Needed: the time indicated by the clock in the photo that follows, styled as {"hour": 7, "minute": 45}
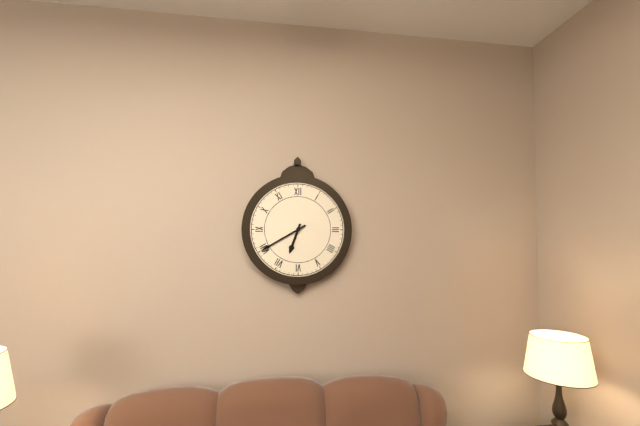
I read {"hour": 6, "minute": 40}
